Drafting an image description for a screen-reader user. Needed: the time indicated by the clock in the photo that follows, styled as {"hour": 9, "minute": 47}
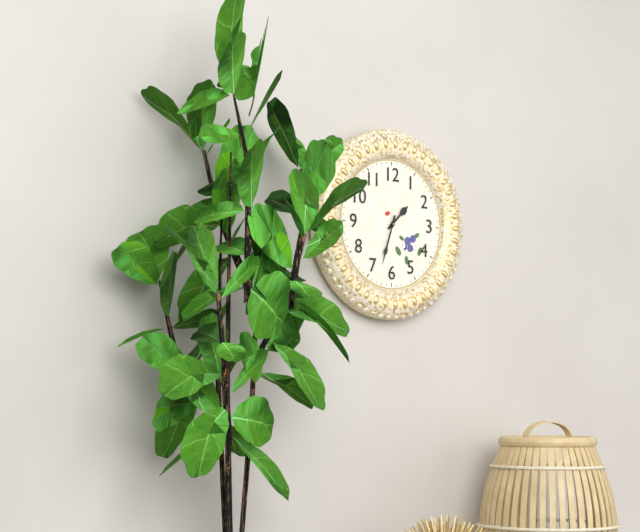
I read {"hour": 1, "minute": 33}
